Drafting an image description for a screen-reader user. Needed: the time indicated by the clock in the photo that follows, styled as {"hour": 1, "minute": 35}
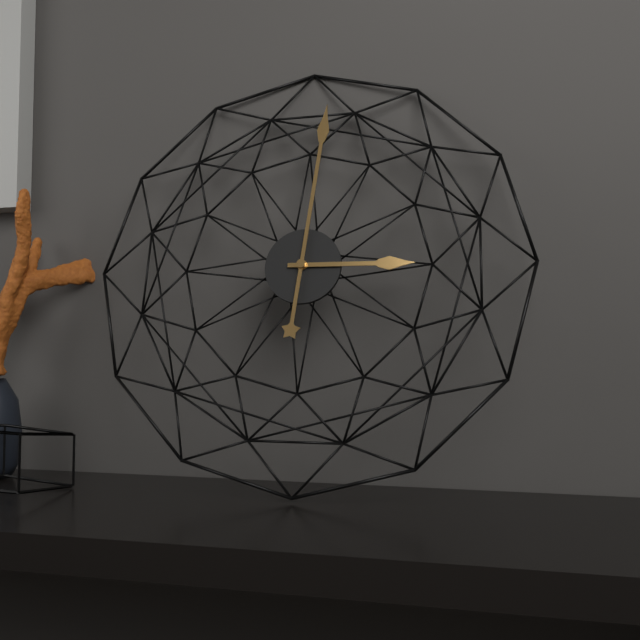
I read {"hour": 3, "minute": 1}
